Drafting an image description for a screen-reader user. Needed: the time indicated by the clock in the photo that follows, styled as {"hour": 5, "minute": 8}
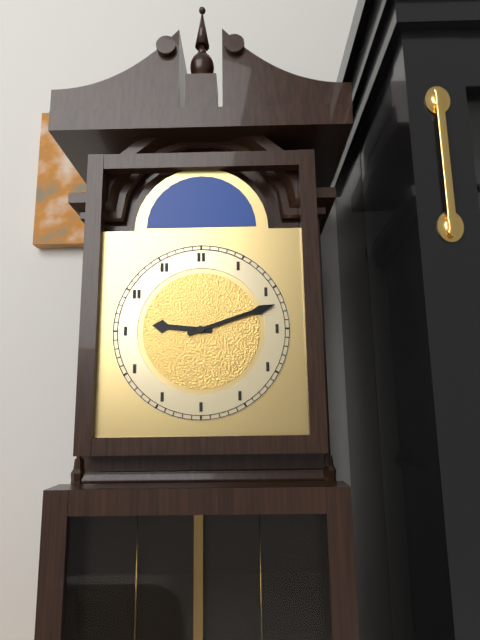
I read {"hour": 9, "minute": 12}
